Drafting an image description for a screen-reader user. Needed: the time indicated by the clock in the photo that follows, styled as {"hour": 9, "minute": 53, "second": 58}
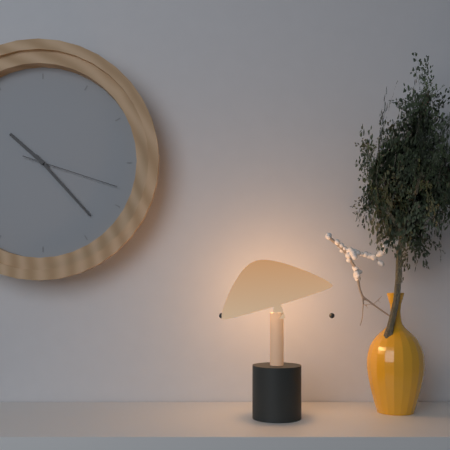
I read {"hour": 10, "minute": 23, "second": 18}
